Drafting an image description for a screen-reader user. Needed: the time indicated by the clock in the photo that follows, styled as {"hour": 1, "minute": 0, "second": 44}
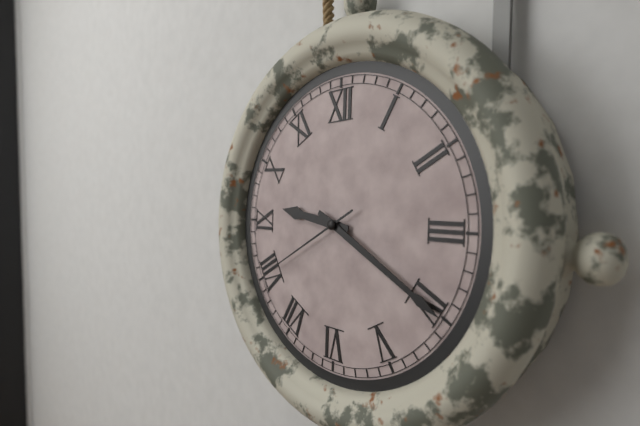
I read {"hour": 9, "minute": 20, "second": 40}
